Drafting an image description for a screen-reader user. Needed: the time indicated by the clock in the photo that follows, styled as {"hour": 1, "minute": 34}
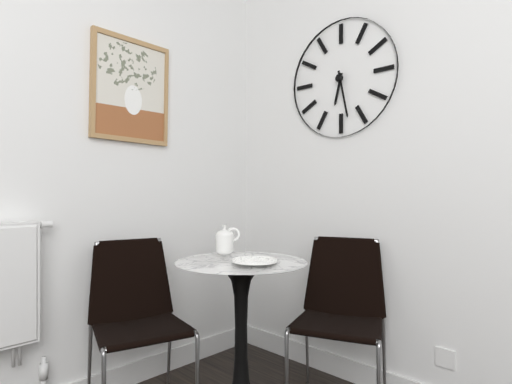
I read {"hour": 6, "minute": 28}
